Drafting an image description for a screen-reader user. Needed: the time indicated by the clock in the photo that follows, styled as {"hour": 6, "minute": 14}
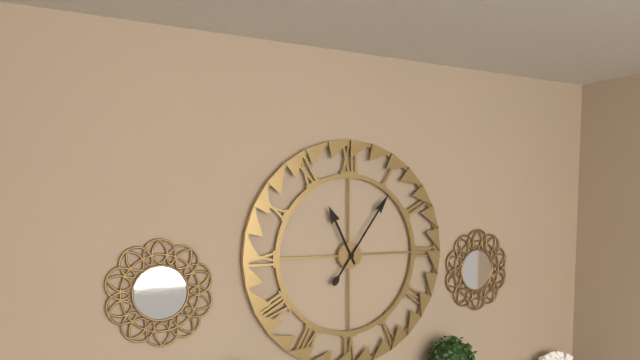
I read {"hour": 11, "minute": 6}
